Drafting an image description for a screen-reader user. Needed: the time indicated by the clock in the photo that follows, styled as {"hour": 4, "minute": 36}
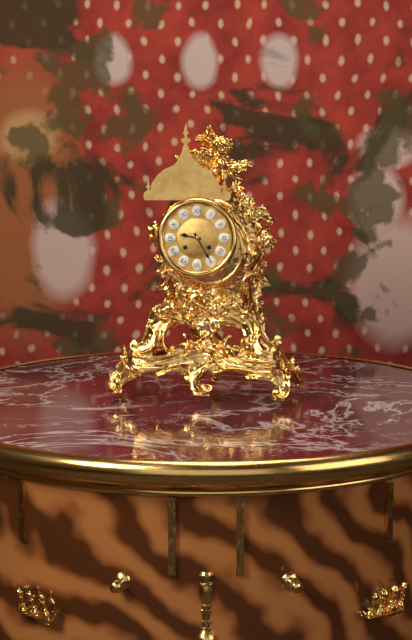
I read {"hour": 9, "minute": 25}
